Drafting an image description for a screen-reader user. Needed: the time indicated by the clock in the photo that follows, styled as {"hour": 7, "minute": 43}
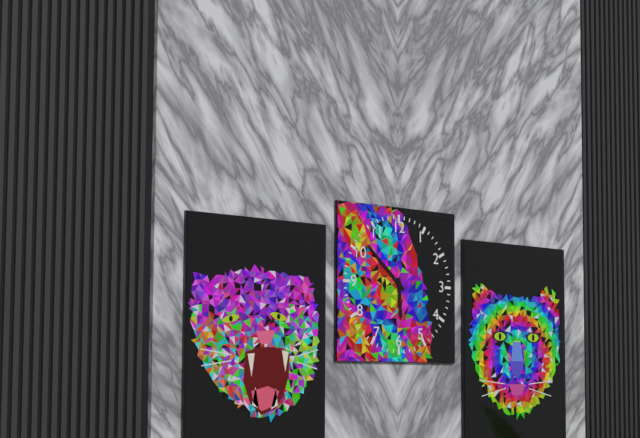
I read {"hour": 5, "minute": 52}
